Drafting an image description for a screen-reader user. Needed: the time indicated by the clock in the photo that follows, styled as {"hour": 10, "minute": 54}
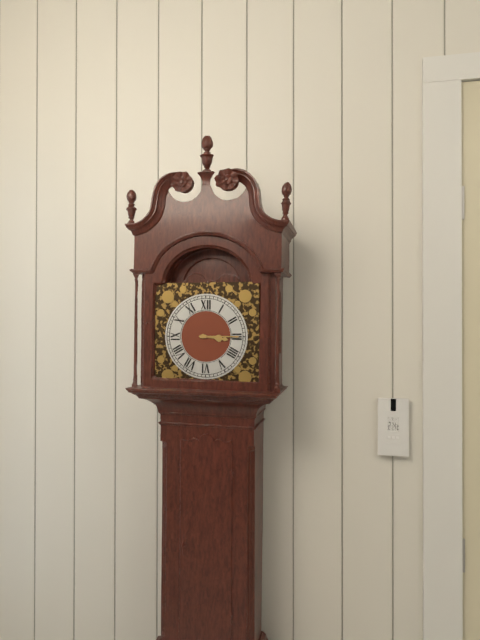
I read {"hour": 3, "minute": 15}
